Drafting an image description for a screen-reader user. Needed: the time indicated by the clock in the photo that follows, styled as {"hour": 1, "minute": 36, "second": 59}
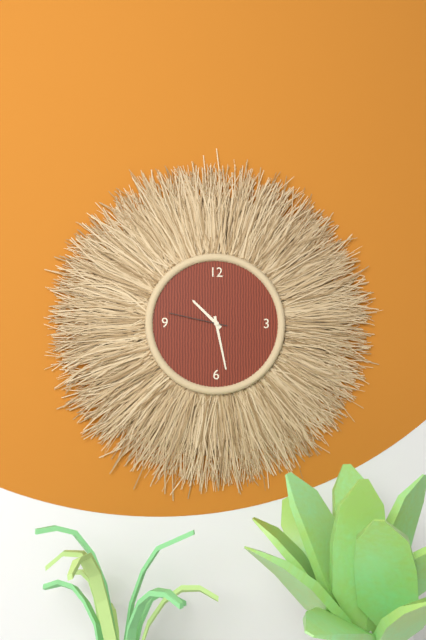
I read {"hour": 10, "minute": 28, "second": 47}
